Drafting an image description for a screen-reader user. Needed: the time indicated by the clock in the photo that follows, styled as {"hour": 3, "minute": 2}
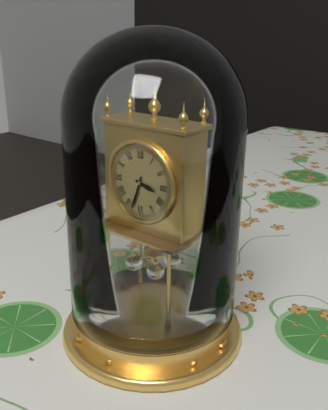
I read {"hour": 3, "minute": 33}
